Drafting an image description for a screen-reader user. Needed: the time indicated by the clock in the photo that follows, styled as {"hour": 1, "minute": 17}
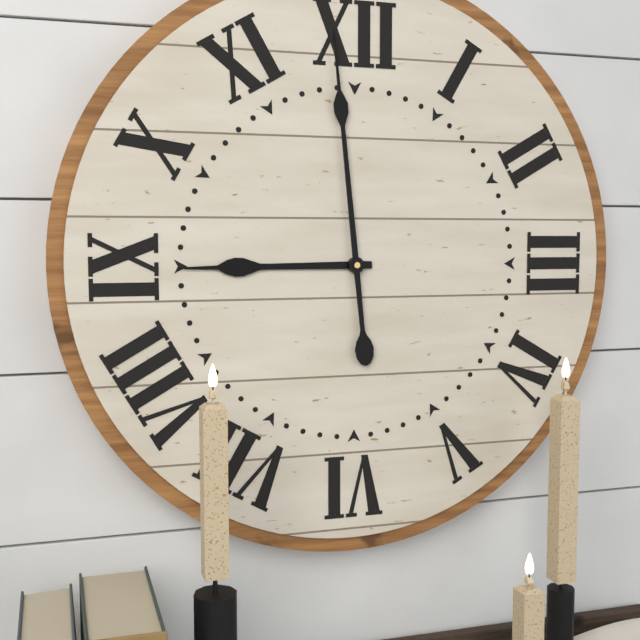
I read {"hour": 8, "minute": 59}
